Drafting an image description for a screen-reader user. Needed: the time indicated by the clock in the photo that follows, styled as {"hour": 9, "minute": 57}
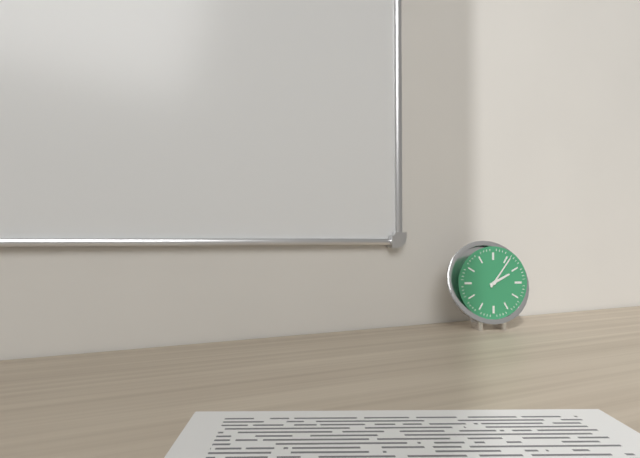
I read {"hour": 2, "minute": 6}
